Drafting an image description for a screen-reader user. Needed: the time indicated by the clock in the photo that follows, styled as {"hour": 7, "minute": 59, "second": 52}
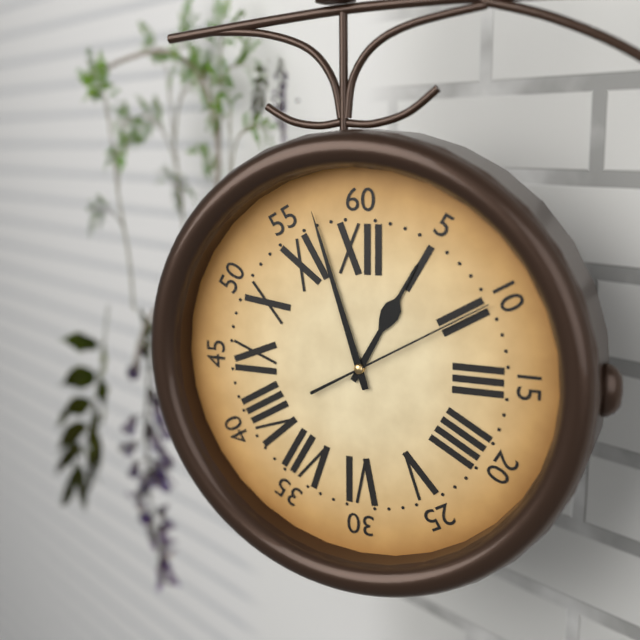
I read {"hour": 12, "minute": 57, "second": 10}
